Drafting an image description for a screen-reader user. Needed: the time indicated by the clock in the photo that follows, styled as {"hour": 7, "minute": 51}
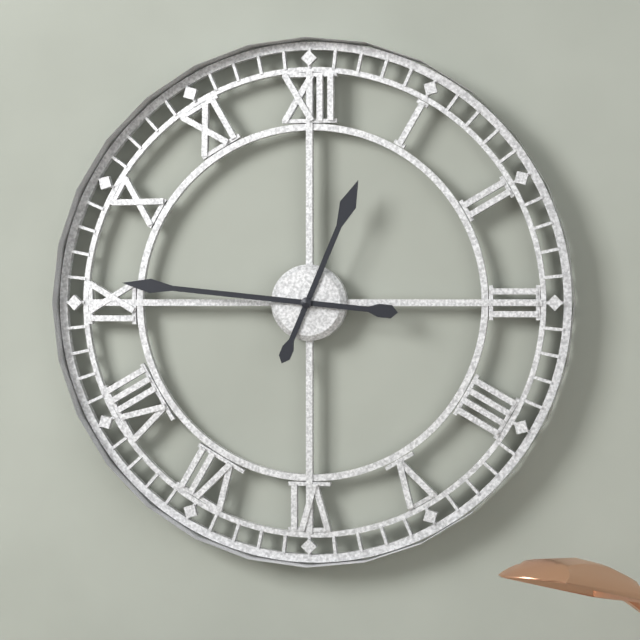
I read {"hour": 12, "minute": 46}
